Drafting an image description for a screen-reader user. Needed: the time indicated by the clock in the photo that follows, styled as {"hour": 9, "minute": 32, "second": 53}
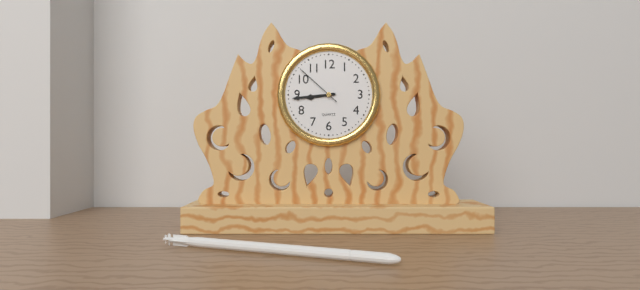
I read {"hour": 8, "minute": 44, "second": 52}
